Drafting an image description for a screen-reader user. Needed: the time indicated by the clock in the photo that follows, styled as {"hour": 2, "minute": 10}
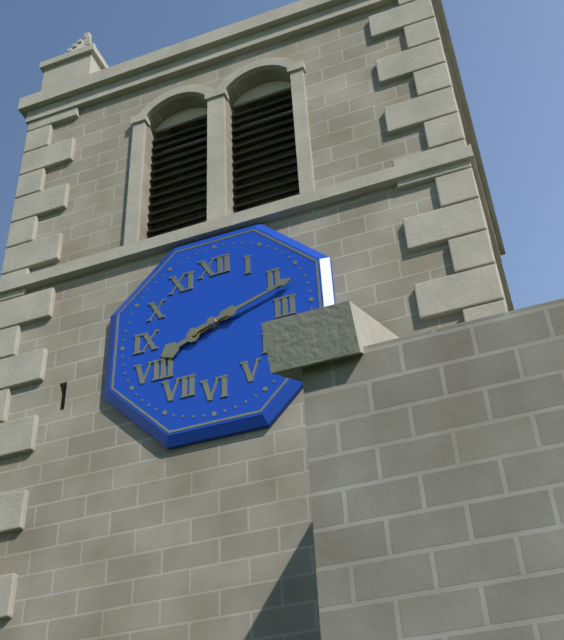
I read {"hour": 8, "minute": 12}
